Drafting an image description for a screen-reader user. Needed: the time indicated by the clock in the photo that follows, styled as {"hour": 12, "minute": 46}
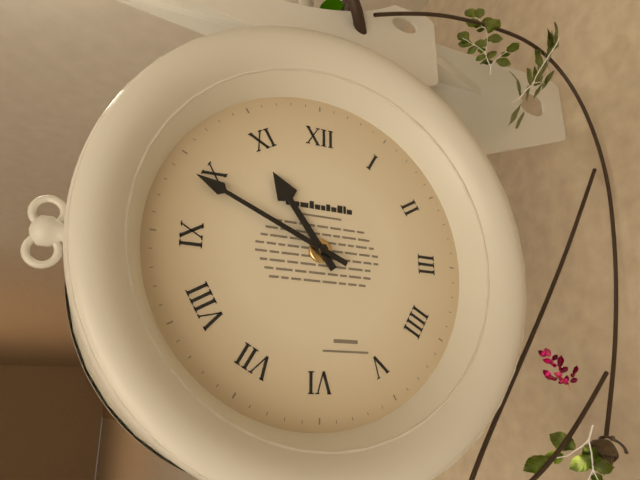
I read {"hour": 10, "minute": 49}
